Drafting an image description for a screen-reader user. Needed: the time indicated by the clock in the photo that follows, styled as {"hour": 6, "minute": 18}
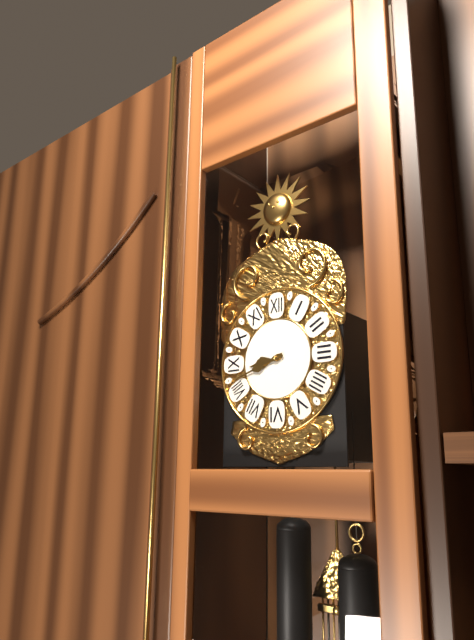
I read {"hour": 8, "minute": 42}
